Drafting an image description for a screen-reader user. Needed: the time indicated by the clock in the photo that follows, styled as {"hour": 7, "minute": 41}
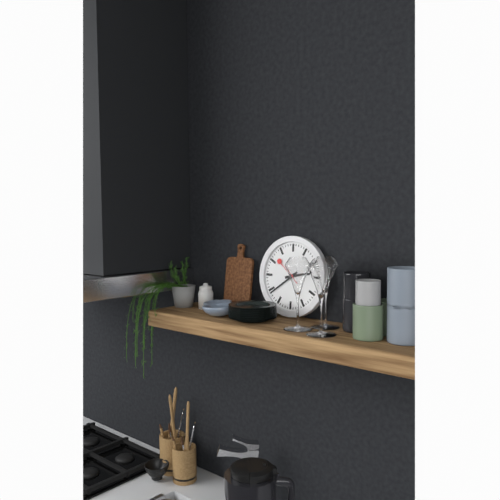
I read {"hour": 2, "minute": 39}
